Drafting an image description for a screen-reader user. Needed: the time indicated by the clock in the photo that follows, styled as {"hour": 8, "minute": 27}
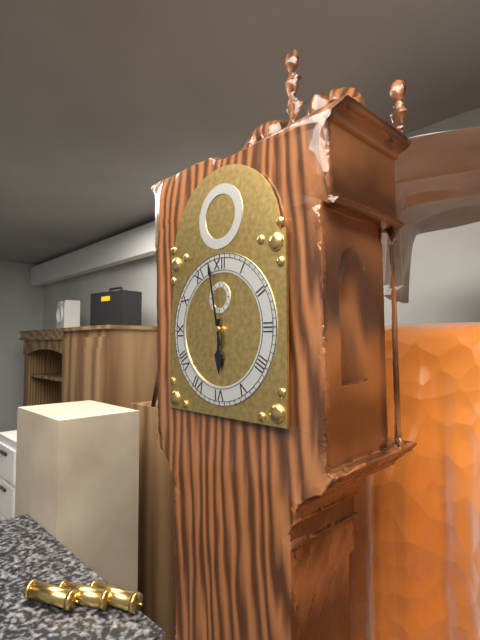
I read {"hour": 5, "minute": 58}
